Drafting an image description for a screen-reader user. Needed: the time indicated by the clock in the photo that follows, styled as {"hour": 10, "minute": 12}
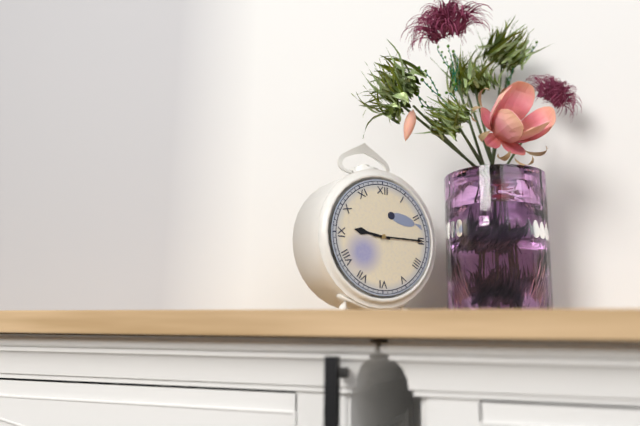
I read {"hour": 9, "minute": 15}
